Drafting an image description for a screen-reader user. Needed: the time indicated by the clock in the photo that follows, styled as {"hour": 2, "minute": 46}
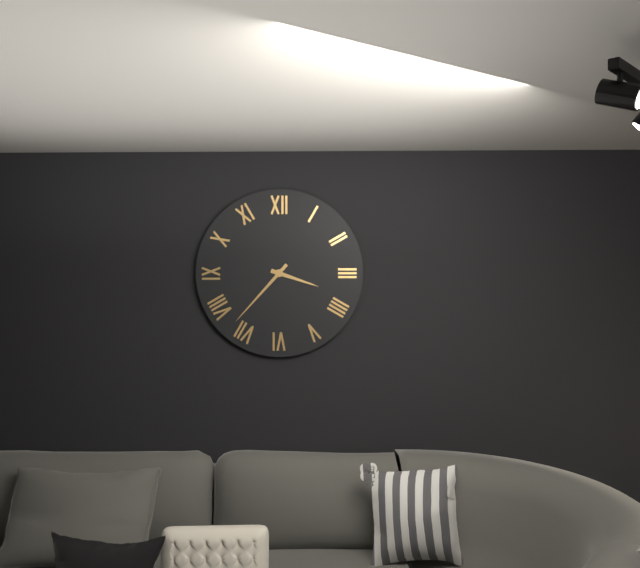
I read {"hour": 3, "minute": 37}
